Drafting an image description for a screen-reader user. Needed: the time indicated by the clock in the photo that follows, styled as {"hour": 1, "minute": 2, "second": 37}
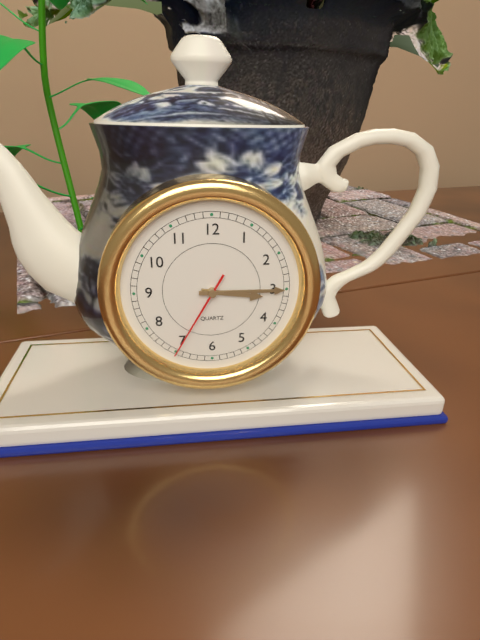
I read {"hour": 3, "minute": 15, "second": 35}
